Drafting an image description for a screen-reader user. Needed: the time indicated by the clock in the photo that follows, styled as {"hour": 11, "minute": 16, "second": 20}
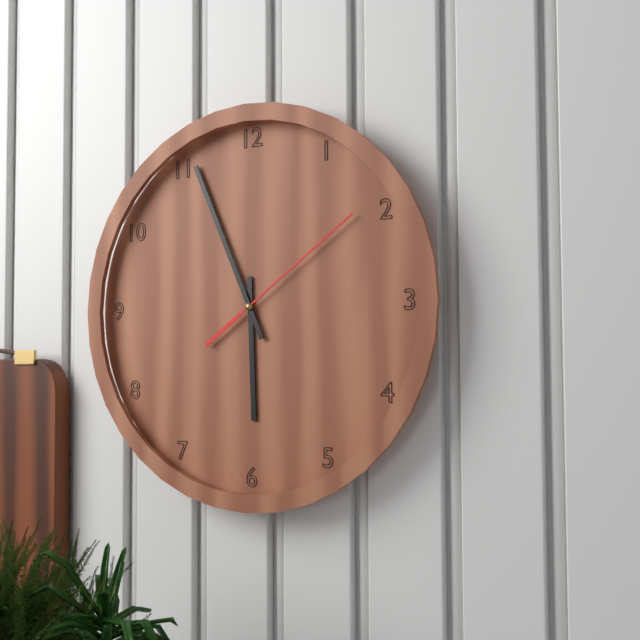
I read {"hour": 5, "minute": 56, "second": 9}
